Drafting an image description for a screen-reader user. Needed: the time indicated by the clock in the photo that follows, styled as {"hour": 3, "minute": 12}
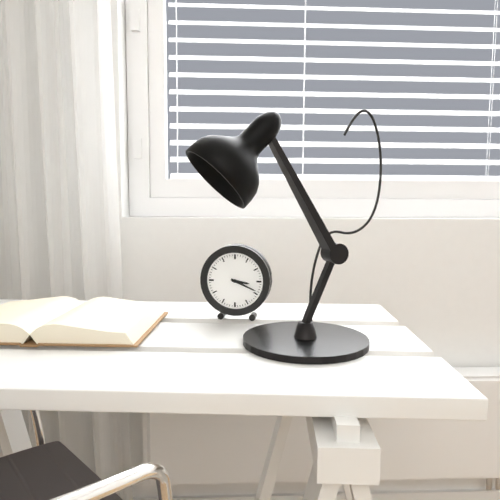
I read {"hour": 3, "minute": 19}
